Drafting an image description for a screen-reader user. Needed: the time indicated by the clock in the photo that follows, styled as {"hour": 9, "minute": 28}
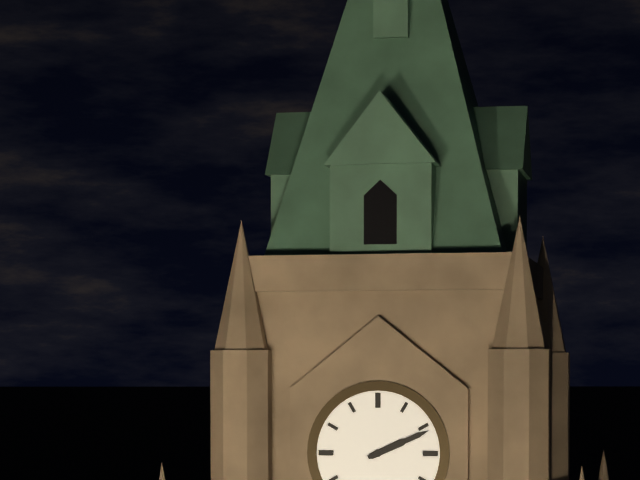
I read {"hour": 2, "minute": 11}
